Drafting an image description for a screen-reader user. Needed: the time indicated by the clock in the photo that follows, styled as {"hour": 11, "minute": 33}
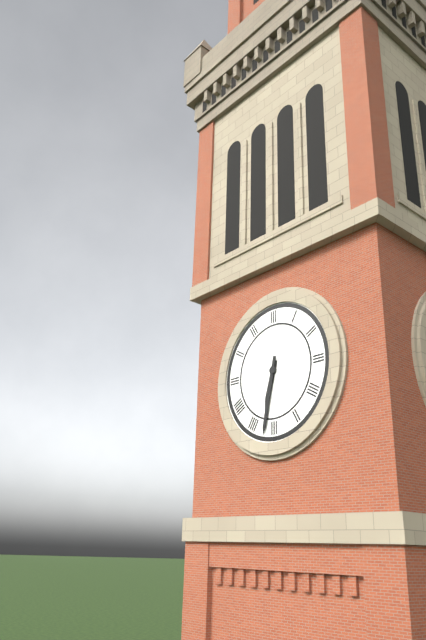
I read {"hour": 6, "minute": 32}
